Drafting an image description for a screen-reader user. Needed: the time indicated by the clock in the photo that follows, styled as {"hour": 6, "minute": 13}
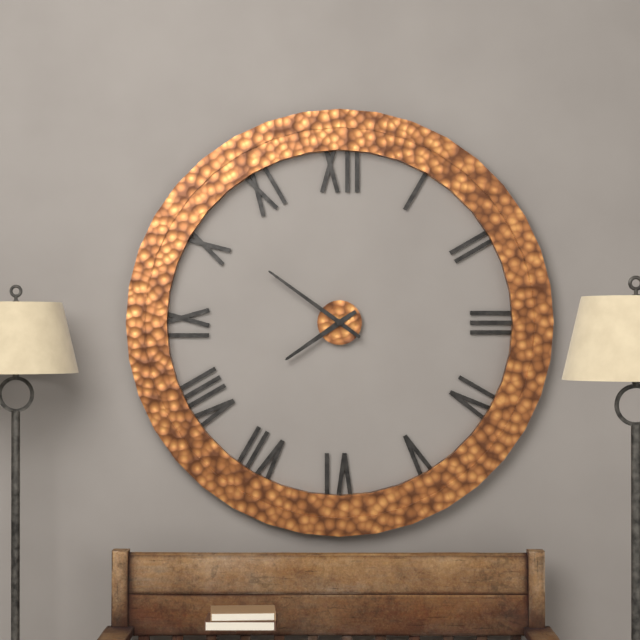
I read {"hour": 7, "minute": 51}
